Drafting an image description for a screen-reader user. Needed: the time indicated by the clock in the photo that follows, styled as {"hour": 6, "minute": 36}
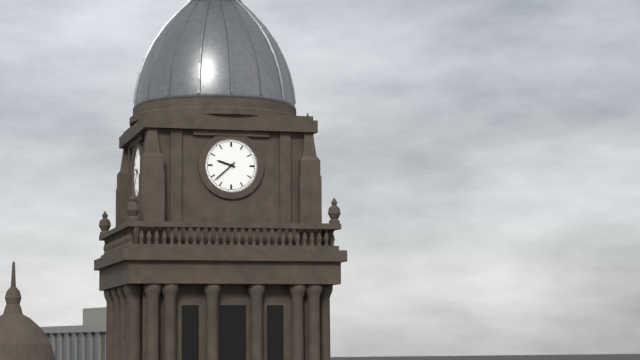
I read {"hour": 9, "minute": 38}
